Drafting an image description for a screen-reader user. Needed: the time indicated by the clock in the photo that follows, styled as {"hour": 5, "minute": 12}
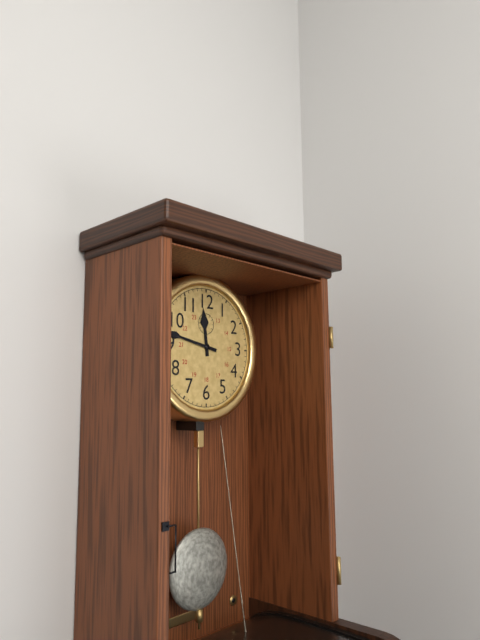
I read {"hour": 11, "minute": 47}
